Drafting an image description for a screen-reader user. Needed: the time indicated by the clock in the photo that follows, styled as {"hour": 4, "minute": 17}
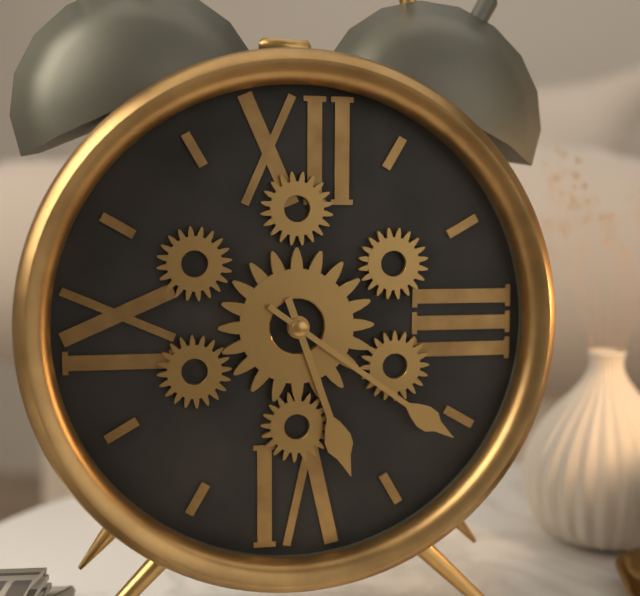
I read {"hour": 5, "minute": 21}
